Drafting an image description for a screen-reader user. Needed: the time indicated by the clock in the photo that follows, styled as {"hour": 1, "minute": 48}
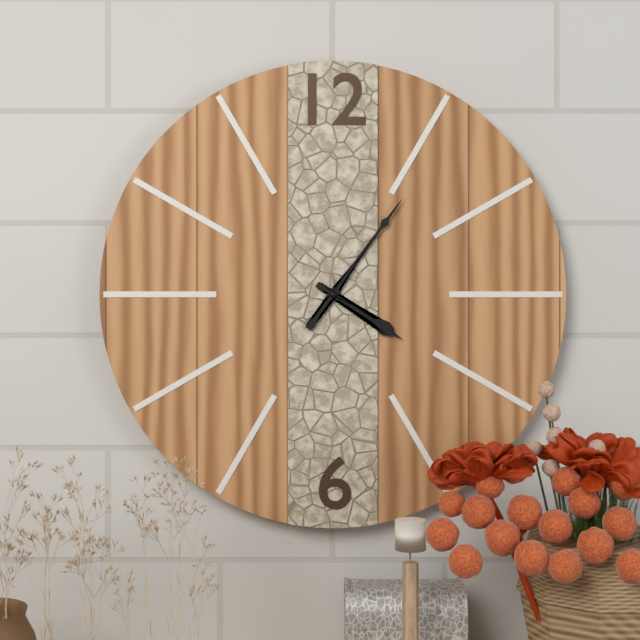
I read {"hour": 4, "minute": 6}
